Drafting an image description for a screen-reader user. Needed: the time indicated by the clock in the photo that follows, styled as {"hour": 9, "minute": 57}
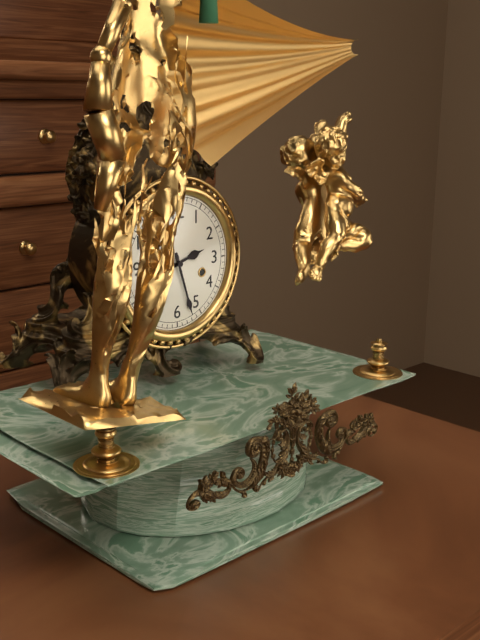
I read {"hour": 2, "minute": 27}
